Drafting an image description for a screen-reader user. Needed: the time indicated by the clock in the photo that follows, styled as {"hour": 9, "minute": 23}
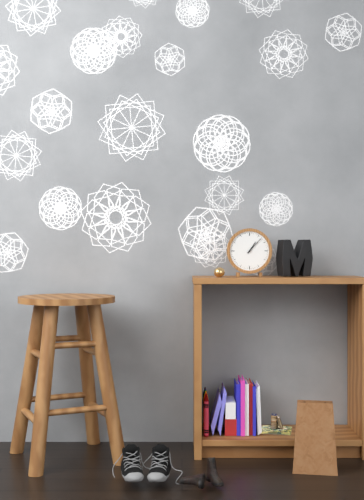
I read {"hour": 1, "minute": 7}
